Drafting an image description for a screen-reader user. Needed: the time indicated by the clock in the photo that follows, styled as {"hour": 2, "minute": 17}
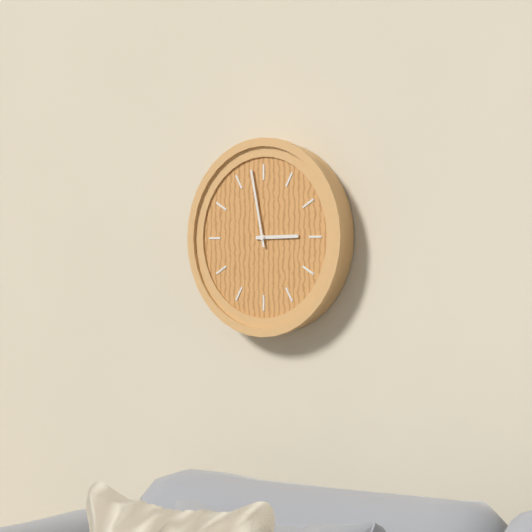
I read {"hour": 2, "minute": 58}
